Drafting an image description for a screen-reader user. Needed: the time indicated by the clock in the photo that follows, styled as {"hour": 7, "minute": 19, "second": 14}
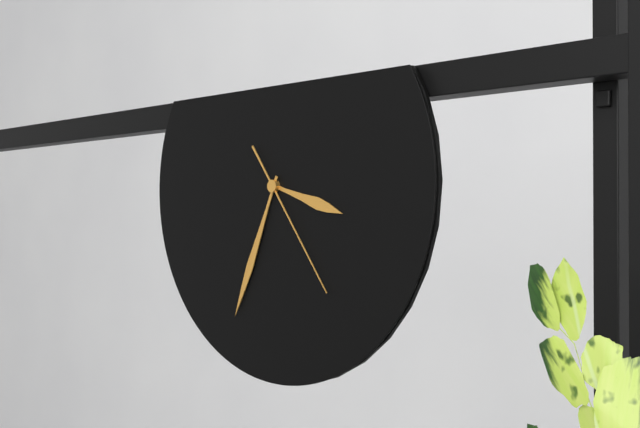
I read {"hour": 3, "minute": 34, "second": 24}
